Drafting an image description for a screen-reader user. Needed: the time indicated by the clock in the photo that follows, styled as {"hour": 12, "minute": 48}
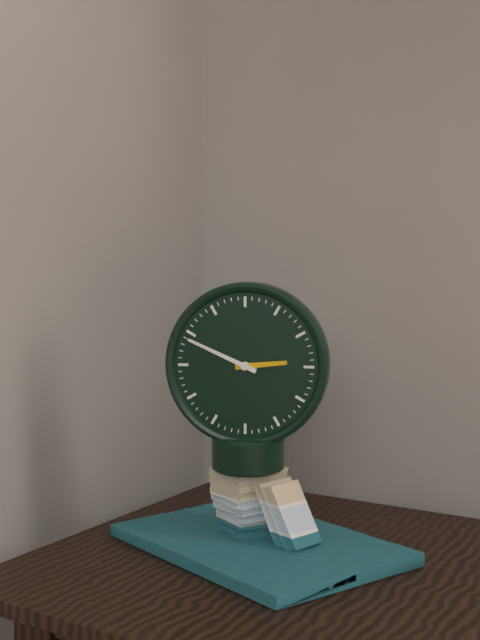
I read {"hour": 2, "minute": 49}
